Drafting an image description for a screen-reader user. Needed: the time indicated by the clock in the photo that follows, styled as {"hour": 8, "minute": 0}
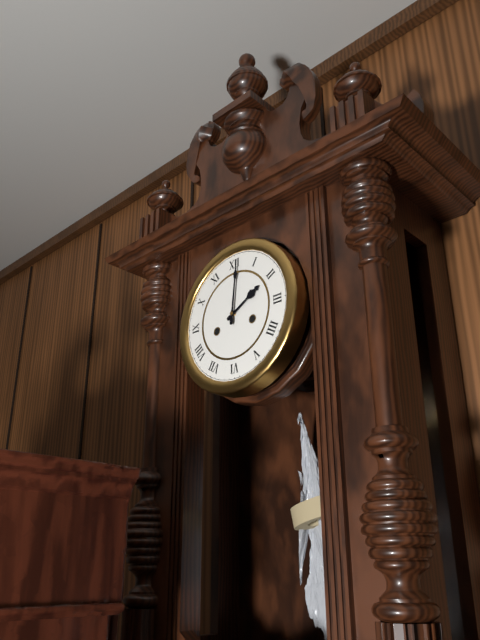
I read {"hour": 2, "minute": 1}
